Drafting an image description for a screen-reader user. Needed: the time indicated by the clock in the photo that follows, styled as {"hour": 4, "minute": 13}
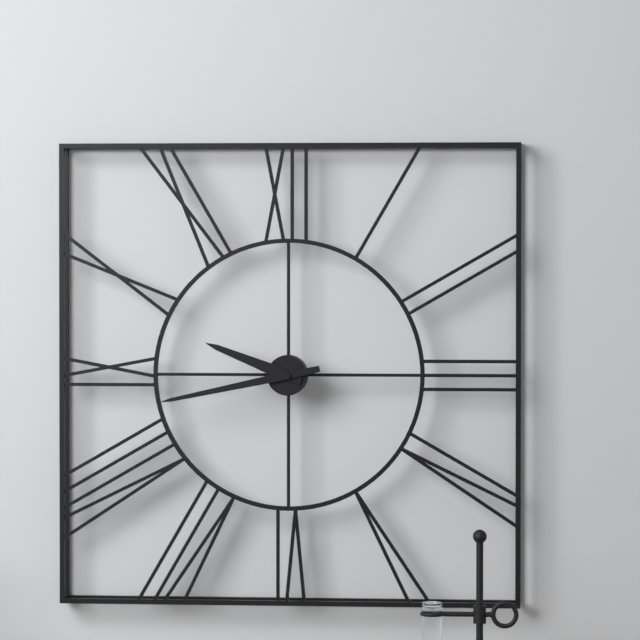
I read {"hour": 9, "minute": 43}
